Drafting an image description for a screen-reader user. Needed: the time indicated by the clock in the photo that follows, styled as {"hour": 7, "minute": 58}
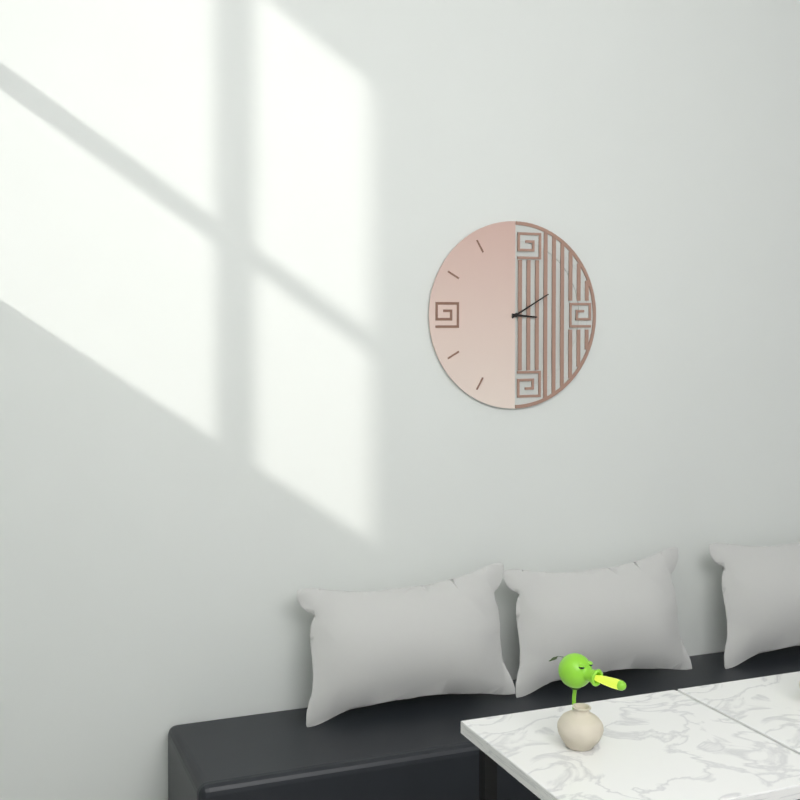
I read {"hour": 3, "minute": 10}
